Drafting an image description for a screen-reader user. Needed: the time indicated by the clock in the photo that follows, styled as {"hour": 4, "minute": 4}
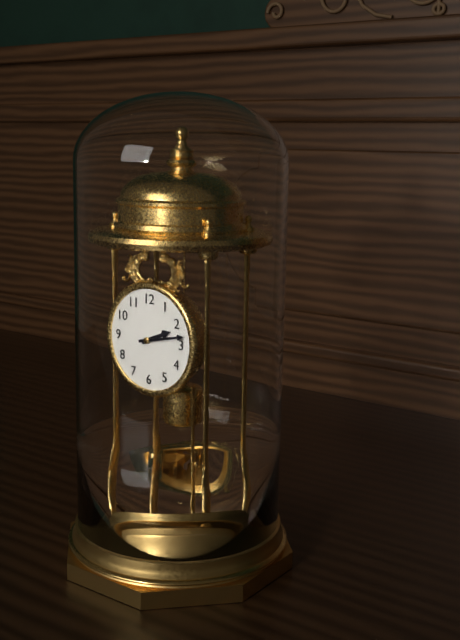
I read {"hour": 2, "minute": 13}
